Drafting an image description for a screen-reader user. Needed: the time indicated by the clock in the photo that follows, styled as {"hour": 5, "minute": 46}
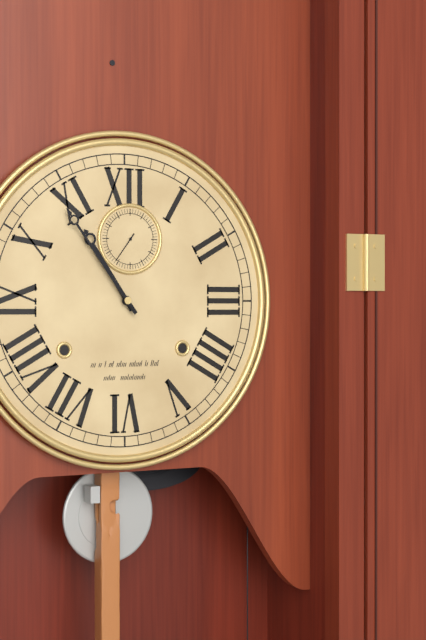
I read {"hour": 10, "minute": 54}
